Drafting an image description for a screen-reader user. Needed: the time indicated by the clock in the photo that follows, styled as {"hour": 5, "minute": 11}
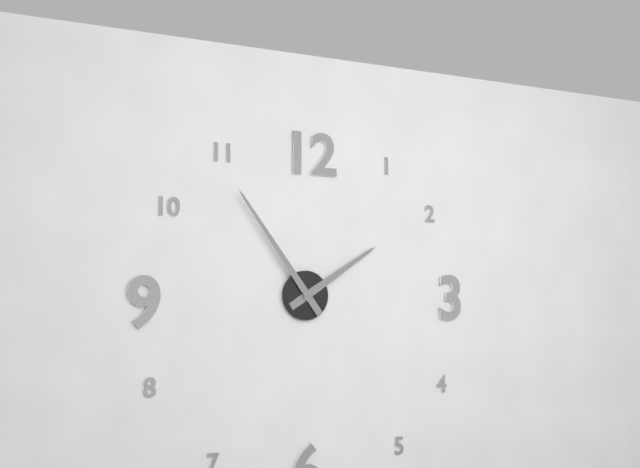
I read {"hour": 1, "minute": 54}
